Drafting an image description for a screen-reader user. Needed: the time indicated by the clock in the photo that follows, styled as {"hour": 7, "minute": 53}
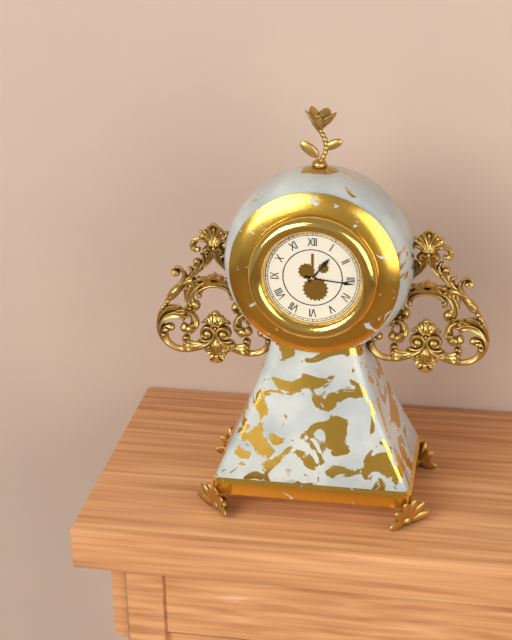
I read {"hour": 1, "minute": 16}
